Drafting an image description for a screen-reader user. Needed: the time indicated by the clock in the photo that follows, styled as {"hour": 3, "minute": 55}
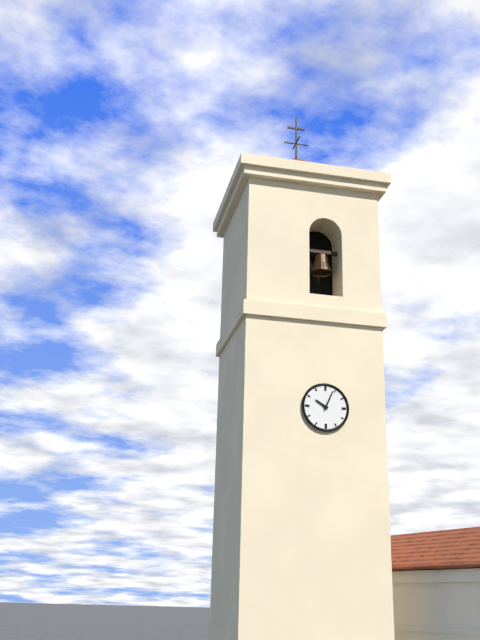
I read {"hour": 10, "minute": 4}
